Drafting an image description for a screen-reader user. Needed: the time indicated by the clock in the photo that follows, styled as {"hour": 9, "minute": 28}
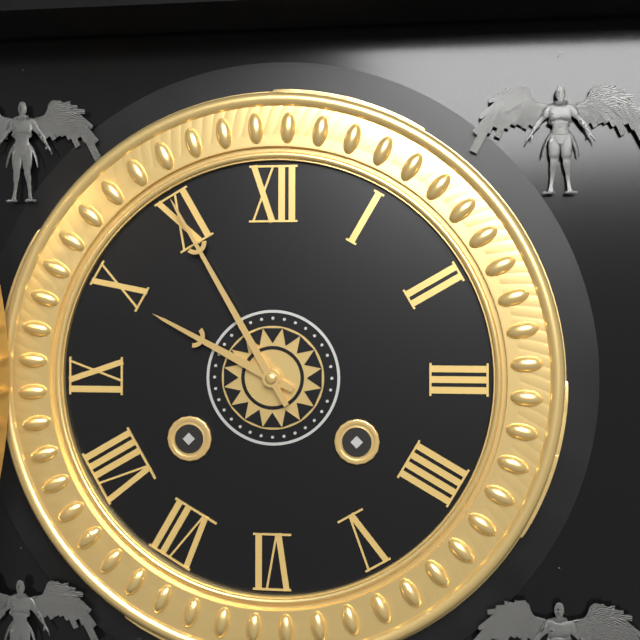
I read {"hour": 9, "minute": 55}
